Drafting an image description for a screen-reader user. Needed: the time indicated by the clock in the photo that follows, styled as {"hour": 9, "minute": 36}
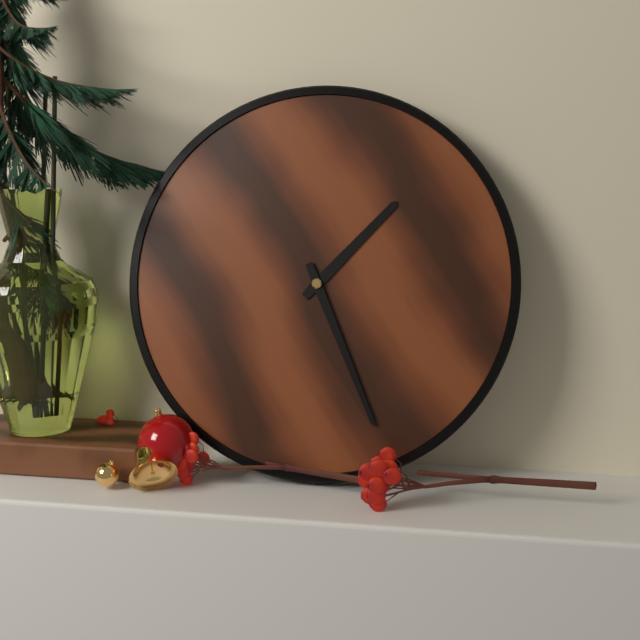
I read {"hour": 1, "minute": 26}
